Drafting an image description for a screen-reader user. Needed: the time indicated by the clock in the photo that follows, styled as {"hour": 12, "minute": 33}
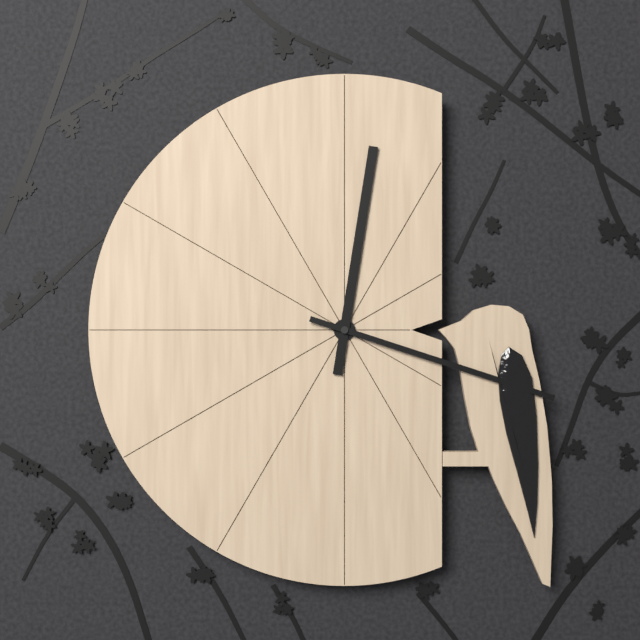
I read {"hour": 12, "minute": 18}
